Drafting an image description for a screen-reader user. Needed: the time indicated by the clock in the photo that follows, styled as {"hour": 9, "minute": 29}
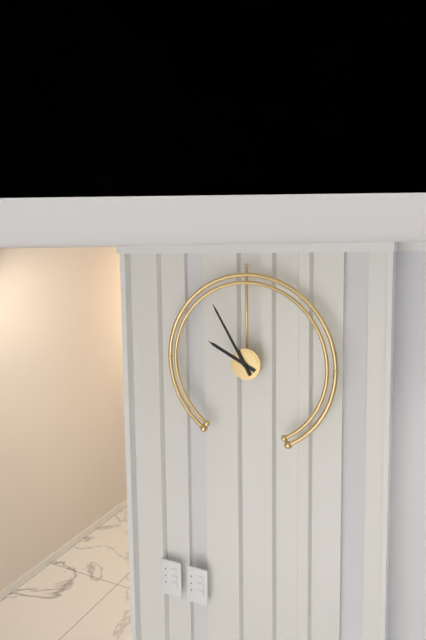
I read {"hour": 9, "minute": 55}
